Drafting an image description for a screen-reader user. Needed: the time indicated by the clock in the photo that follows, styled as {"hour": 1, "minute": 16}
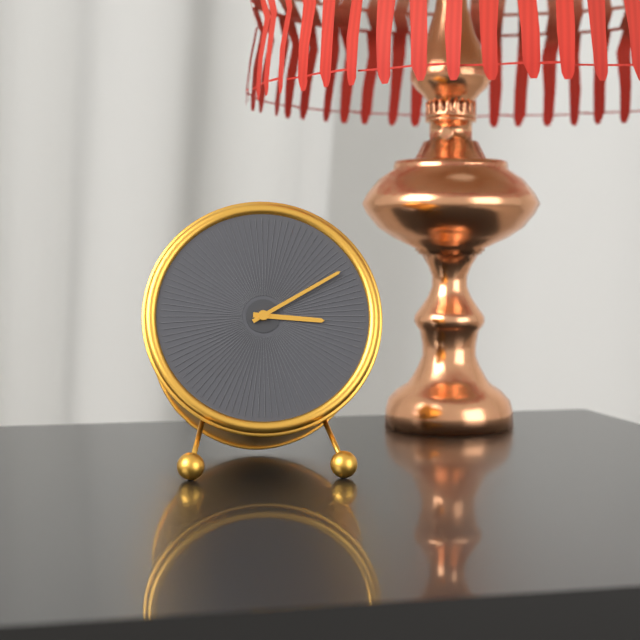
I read {"hour": 3, "minute": 10}
